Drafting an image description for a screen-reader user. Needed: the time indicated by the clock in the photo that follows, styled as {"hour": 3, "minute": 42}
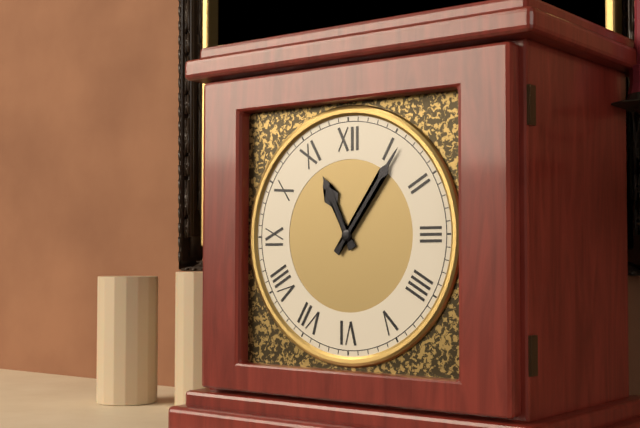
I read {"hour": 11, "minute": 6}
